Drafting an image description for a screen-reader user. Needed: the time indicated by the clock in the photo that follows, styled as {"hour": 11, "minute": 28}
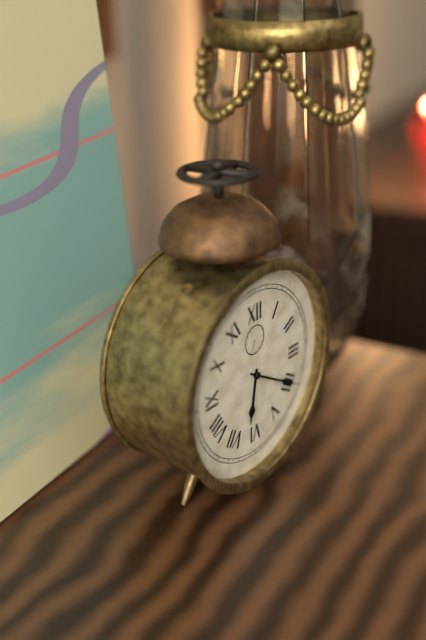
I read {"hour": 6, "minute": 20}
